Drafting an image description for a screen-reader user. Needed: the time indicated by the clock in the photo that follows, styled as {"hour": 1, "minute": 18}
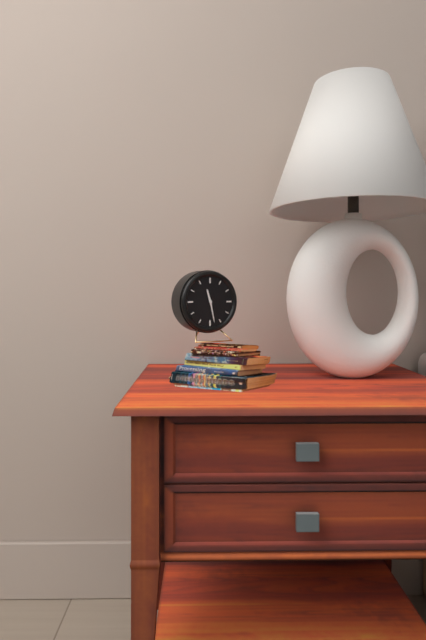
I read {"hour": 11, "minute": 28}
